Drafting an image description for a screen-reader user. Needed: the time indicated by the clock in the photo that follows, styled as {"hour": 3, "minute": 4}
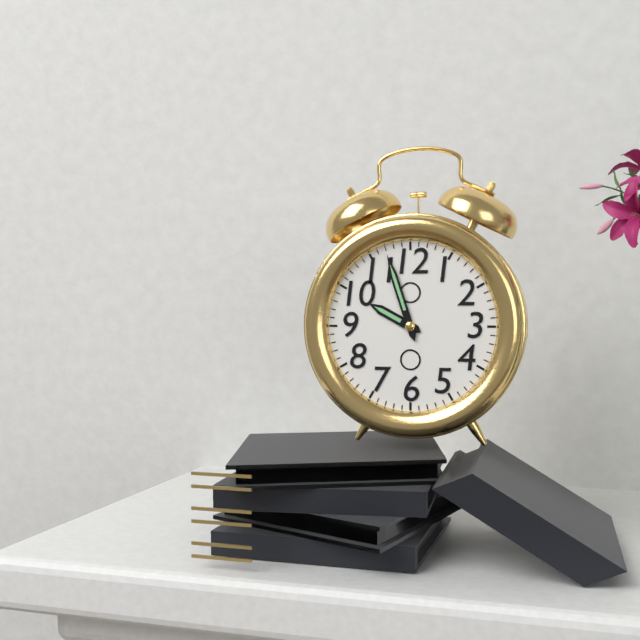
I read {"hour": 9, "minute": 57}
